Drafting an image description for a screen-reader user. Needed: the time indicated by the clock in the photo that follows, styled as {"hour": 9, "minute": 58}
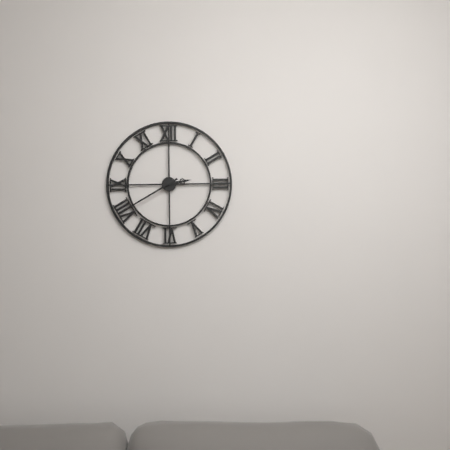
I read {"hour": 2, "minute": 40}
